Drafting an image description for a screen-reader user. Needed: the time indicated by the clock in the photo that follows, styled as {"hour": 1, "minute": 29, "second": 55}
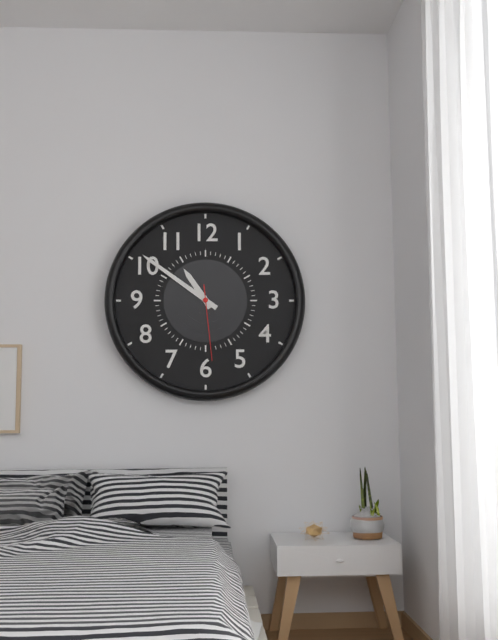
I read {"hour": 10, "minute": 51, "second": 29}
